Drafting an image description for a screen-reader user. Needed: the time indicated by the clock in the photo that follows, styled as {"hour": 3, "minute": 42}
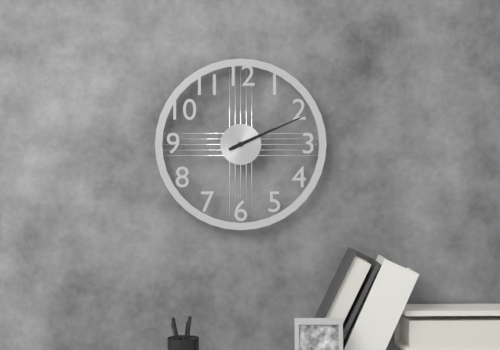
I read {"hour": 2, "minute": 11}
